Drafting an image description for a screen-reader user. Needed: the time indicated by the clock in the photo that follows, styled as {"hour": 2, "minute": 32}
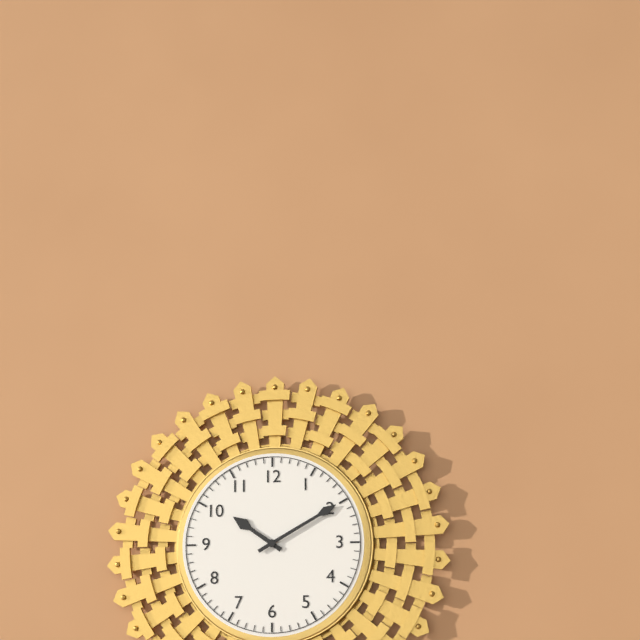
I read {"hour": 10, "minute": 10}
